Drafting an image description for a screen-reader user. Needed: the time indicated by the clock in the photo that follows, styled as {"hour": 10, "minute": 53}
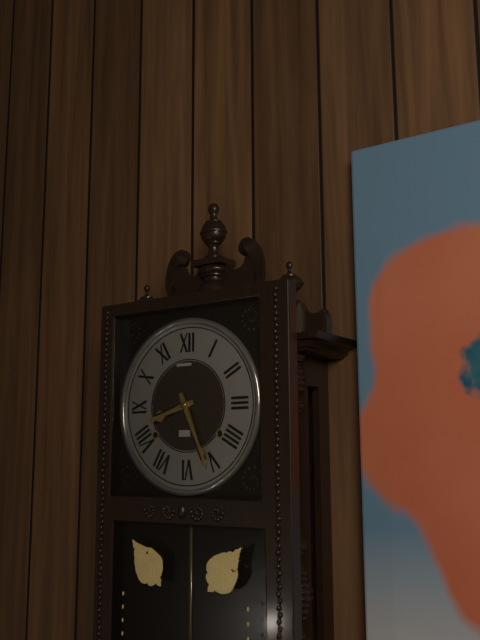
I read {"hour": 8, "minute": 26}
